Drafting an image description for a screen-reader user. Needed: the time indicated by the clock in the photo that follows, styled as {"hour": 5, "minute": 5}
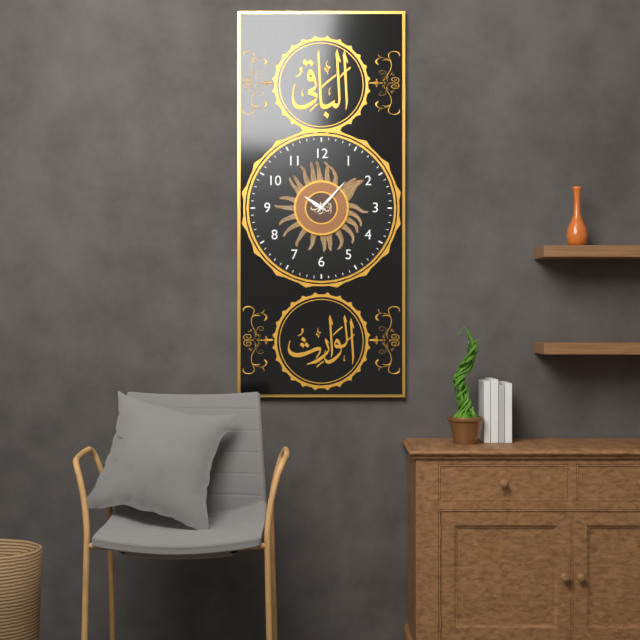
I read {"hour": 10, "minute": 7}
